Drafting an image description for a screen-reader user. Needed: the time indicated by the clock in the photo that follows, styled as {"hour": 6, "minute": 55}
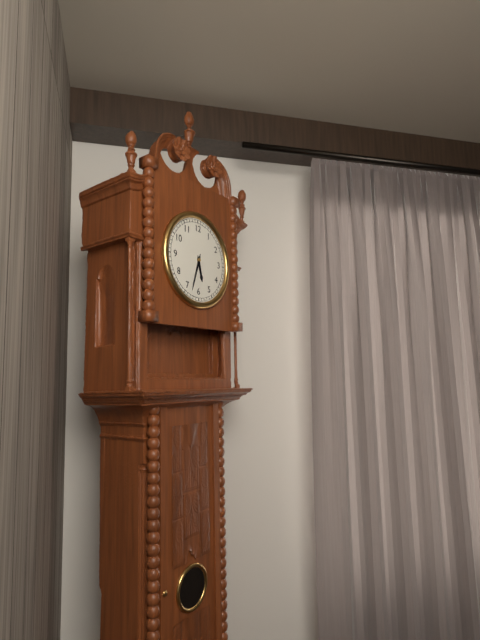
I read {"hour": 5, "minute": 33}
